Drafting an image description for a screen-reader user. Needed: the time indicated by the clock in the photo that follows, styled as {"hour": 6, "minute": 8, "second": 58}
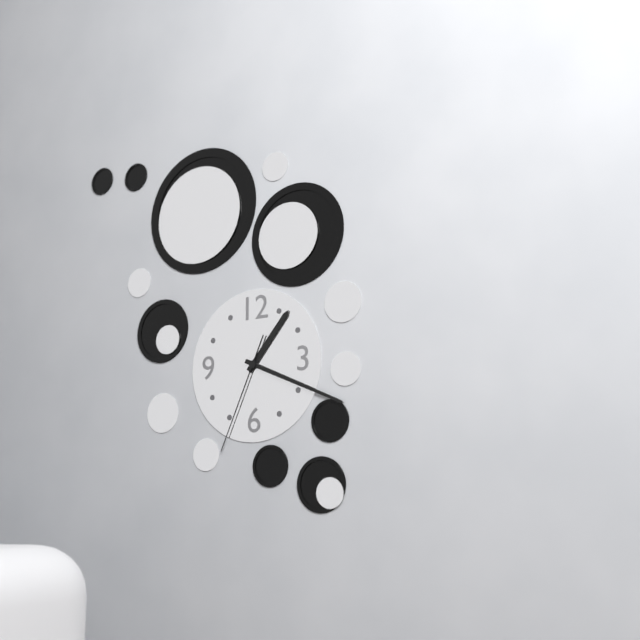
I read {"hour": 1, "minute": 19, "second": 34}
